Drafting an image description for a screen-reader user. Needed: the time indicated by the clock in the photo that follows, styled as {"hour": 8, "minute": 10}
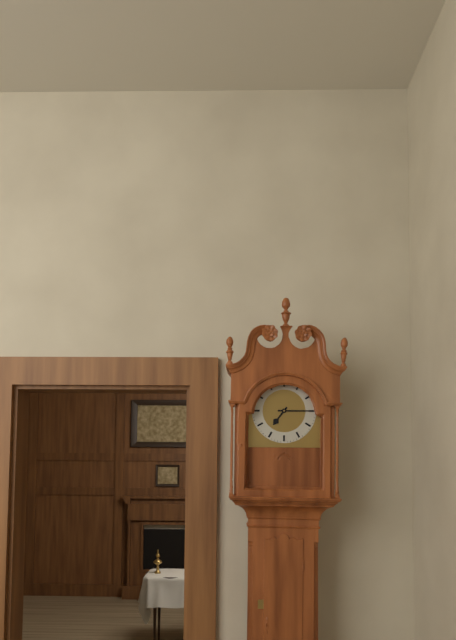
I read {"hour": 7, "minute": 15}
